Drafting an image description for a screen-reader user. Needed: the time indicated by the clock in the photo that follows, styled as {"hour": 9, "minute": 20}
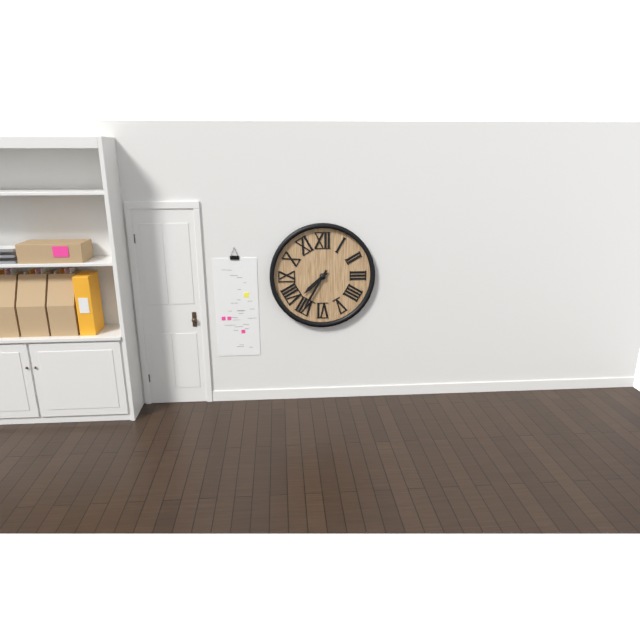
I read {"hour": 7, "minute": 35}
